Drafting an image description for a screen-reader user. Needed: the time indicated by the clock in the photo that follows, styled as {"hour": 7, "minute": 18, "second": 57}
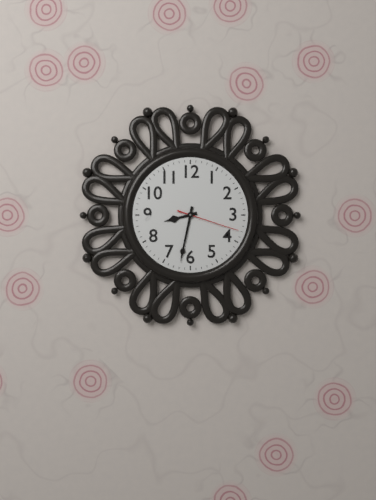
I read {"hour": 8, "minute": 32, "second": 18}
